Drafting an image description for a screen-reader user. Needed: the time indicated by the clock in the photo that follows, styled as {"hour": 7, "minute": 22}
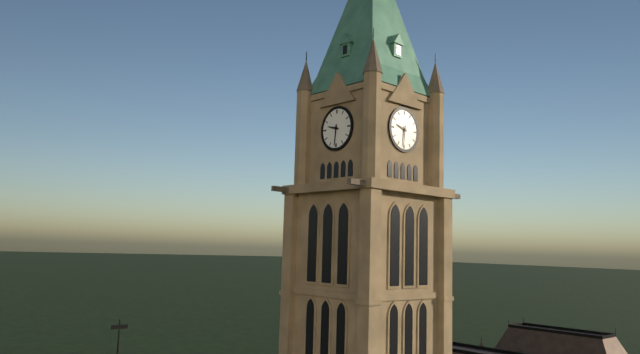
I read {"hour": 9, "minute": 31}
